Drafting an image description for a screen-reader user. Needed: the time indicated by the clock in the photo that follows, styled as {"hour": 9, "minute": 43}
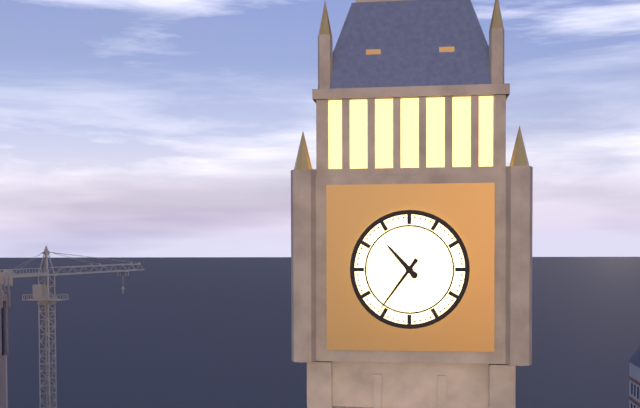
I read {"hour": 10, "minute": 36}
